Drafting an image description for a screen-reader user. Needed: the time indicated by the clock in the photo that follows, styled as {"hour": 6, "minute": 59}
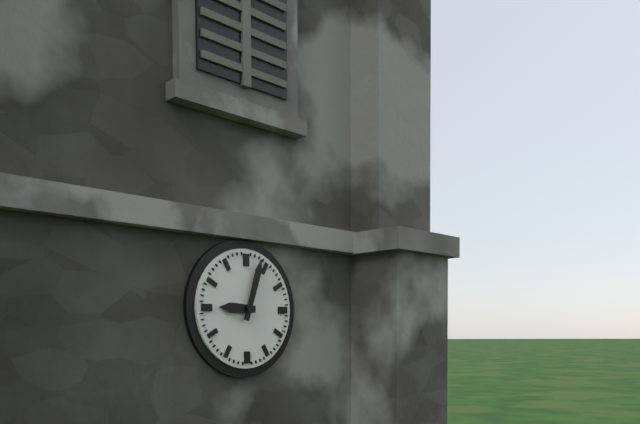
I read {"hour": 9, "minute": 3}
